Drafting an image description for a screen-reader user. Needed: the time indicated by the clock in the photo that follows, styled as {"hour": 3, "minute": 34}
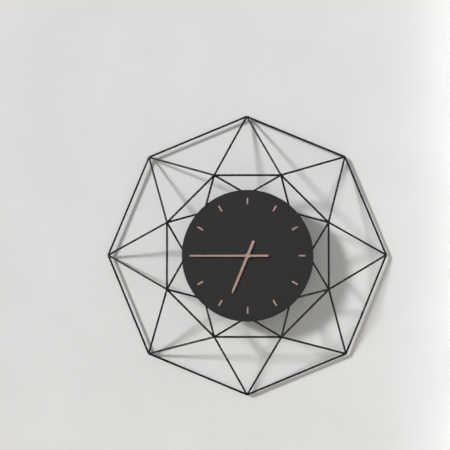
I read {"hour": 6, "minute": 45}
